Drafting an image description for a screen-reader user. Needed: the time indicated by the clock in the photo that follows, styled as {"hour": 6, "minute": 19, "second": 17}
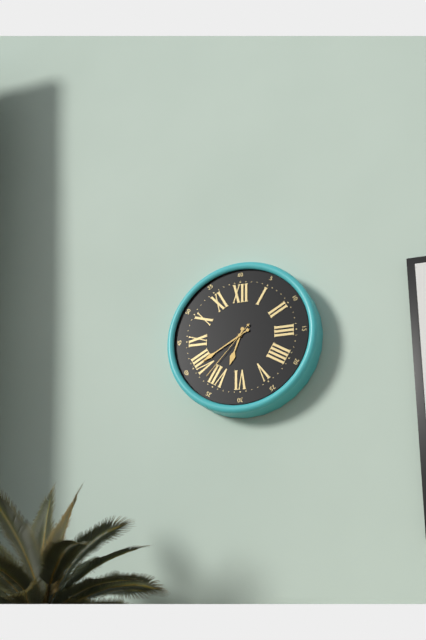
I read {"hour": 6, "minute": 40, "second": 37}
